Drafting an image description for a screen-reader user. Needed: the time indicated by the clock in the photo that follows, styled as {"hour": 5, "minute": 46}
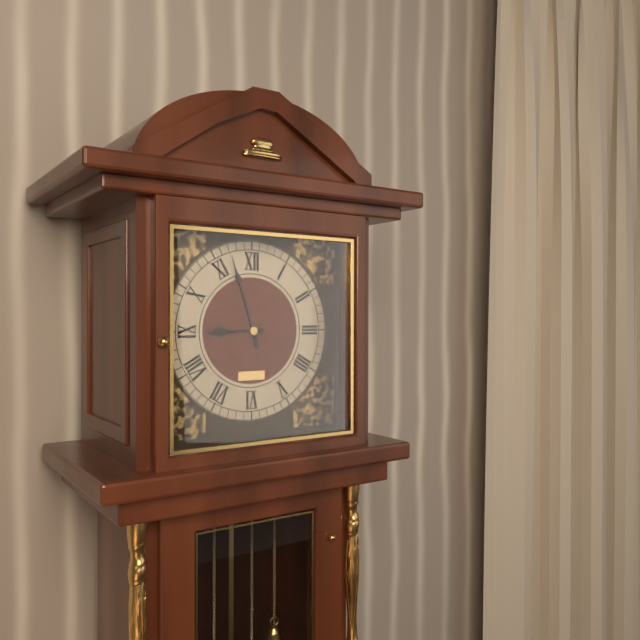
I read {"hour": 8, "minute": 57}
